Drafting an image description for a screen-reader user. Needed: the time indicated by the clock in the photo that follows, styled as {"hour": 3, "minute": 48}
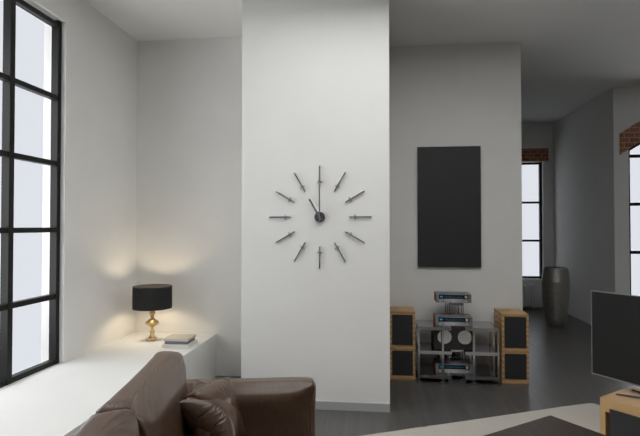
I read {"hour": 11, "minute": 0}
